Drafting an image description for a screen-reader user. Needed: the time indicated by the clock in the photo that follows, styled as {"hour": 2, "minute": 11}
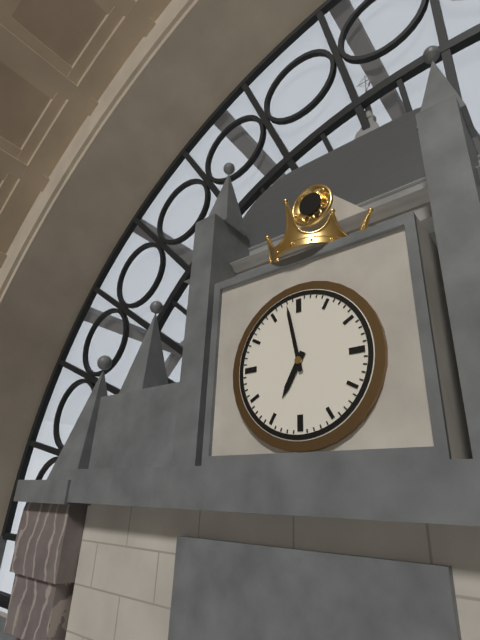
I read {"hour": 6, "minute": 58}
